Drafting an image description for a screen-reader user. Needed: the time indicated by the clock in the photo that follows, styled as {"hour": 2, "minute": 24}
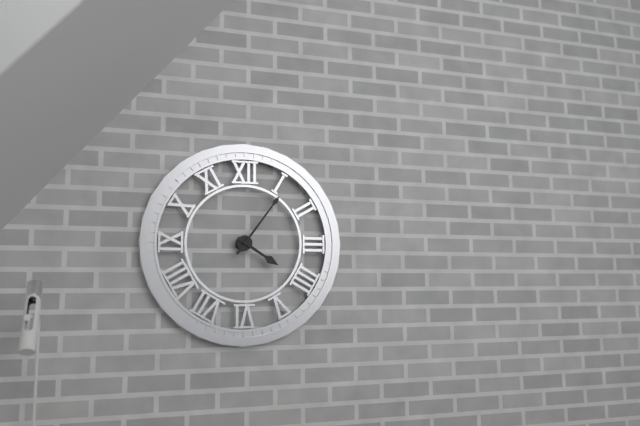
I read {"hour": 4, "minute": 6}
